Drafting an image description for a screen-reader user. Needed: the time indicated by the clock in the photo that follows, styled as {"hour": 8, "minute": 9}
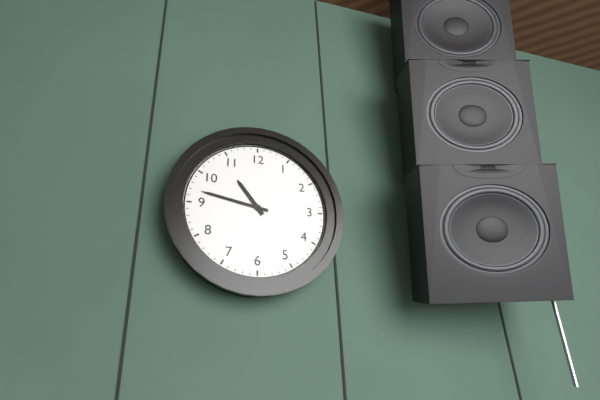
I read {"hour": 10, "minute": 47}
